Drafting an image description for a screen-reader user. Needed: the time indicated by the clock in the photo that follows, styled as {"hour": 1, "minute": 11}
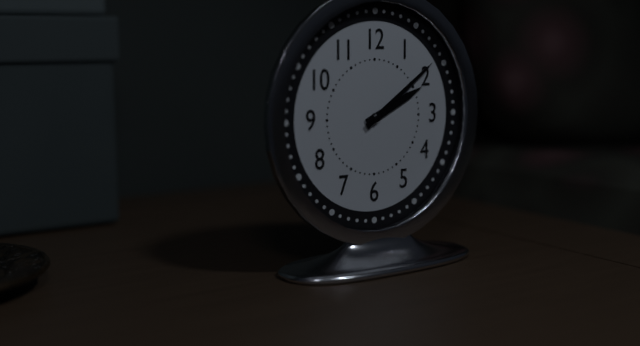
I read {"hour": 2, "minute": 9}
